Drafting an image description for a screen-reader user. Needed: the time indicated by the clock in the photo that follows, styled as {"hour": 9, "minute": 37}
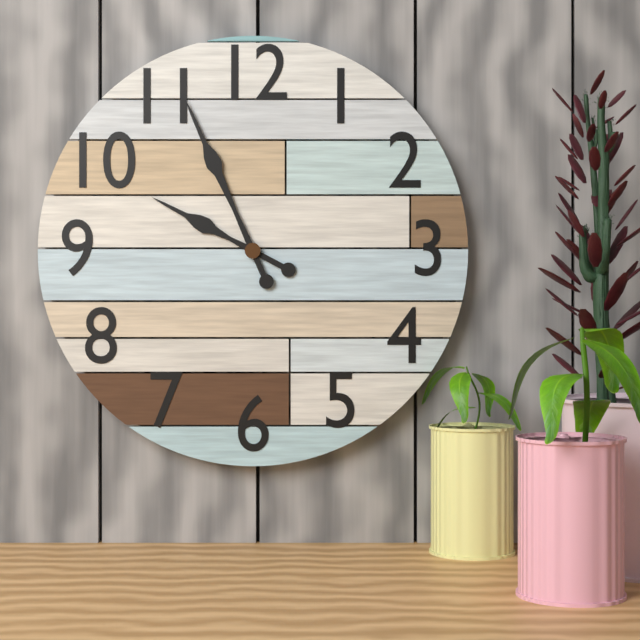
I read {"hour": 9, "minute": 56}
